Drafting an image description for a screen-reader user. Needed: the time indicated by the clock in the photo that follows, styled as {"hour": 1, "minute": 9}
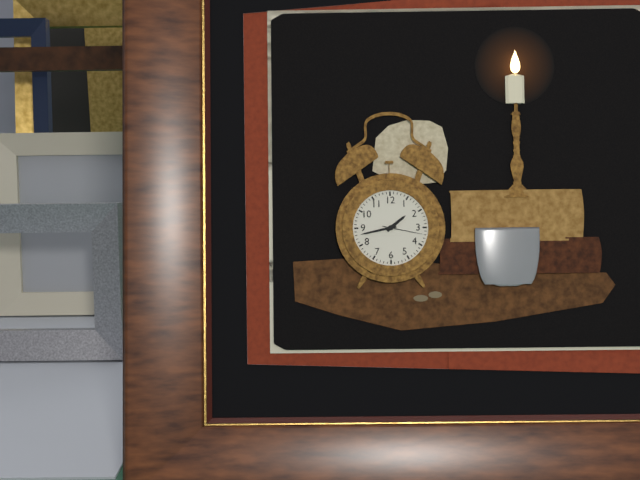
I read {"hour": 1, "minute": 43}
